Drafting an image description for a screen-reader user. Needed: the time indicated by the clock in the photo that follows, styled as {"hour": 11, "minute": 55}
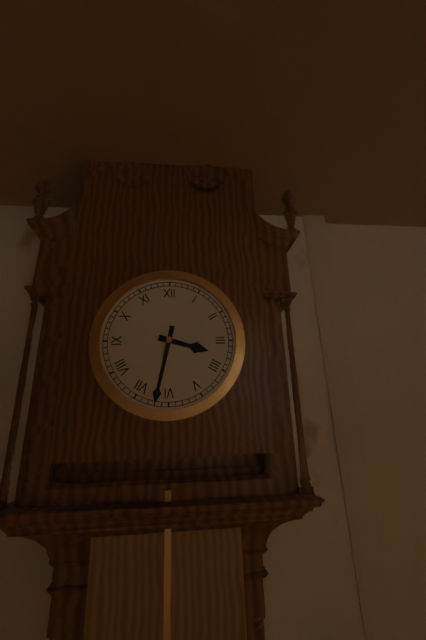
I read {"hour": 3, "minute": 32}
